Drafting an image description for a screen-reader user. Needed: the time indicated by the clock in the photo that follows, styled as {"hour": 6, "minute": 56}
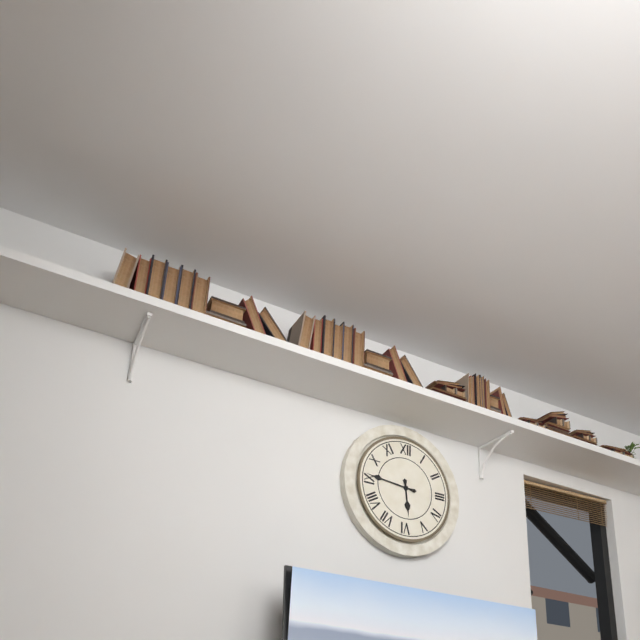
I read {"hour": 5, "minute": 46}
